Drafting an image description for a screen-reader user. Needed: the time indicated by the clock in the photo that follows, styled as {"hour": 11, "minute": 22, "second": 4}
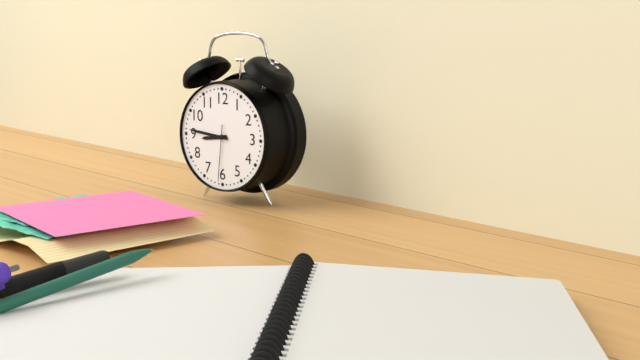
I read {"hour": 8, "minute": 46, "second": 31}
